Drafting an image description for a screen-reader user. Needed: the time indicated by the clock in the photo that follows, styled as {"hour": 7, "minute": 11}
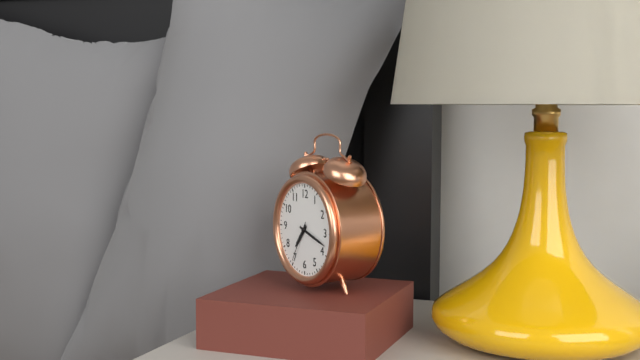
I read {"hour": 7, "minute": 18}
